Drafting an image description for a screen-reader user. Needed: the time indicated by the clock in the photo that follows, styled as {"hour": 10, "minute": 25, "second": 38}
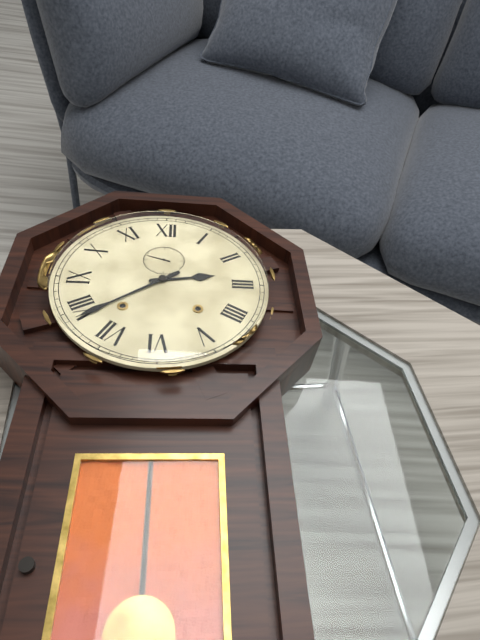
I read {"hour": 2, "minute": 39, "second": 48}
